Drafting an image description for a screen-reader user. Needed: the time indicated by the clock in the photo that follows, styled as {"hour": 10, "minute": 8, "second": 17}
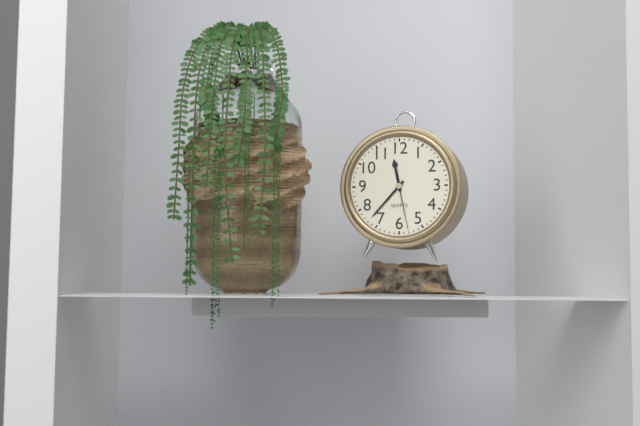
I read {"hour": 11, "minute": 37, "second": 28}
